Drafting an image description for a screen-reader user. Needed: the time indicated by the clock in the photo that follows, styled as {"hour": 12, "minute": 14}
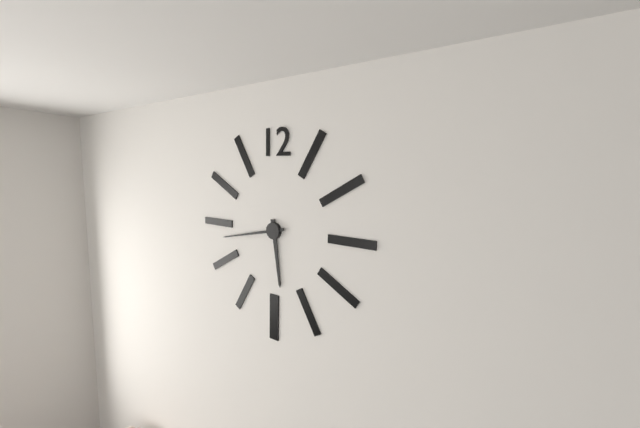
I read {"hour": 5, "minute": 43}
